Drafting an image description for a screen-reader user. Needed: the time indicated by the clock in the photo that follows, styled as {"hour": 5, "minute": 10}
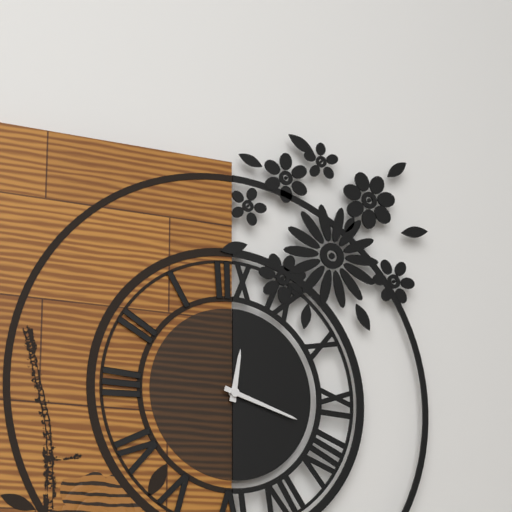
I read {"hour": 12, "minute": 18}
